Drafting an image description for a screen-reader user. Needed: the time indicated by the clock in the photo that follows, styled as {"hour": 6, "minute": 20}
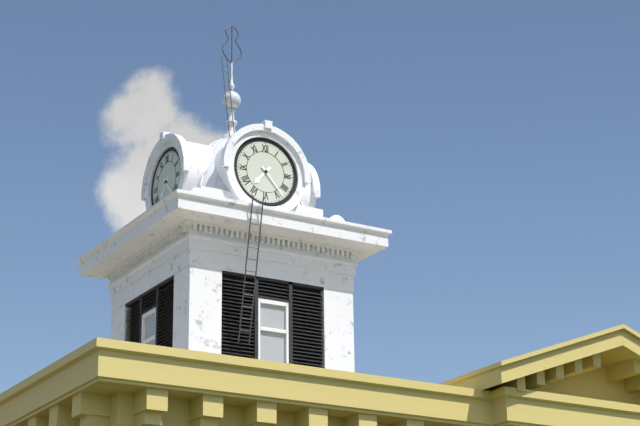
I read {"hour": 7, "minute": 23}
